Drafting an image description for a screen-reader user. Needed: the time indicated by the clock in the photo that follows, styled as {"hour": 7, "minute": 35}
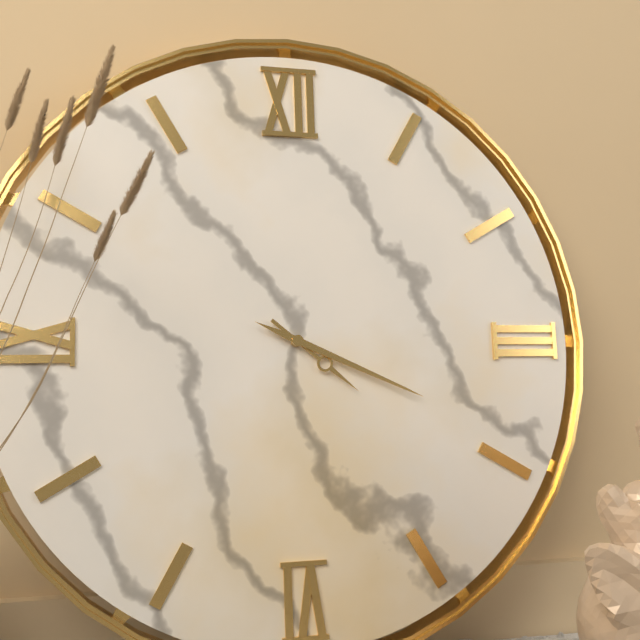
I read {"hour": 4, "minute": 19}
